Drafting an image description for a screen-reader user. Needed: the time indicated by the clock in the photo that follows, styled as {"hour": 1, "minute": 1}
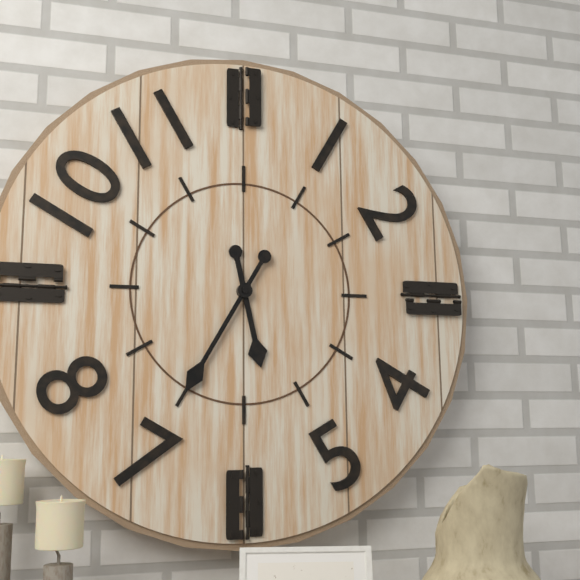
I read {"hour": 5, "minute": 35}
